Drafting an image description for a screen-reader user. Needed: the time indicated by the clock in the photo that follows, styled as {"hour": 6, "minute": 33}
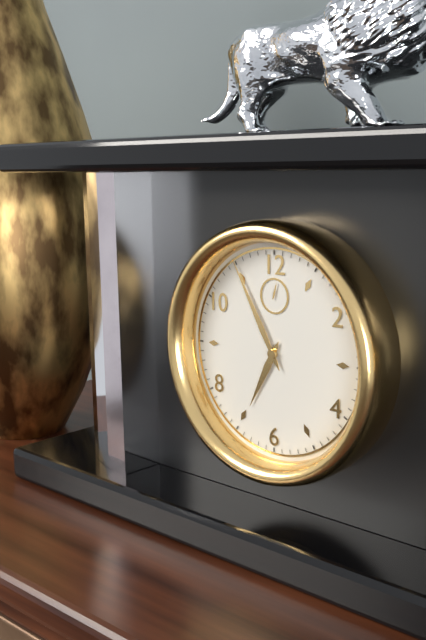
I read {"hour": 6, "minute": 55}
